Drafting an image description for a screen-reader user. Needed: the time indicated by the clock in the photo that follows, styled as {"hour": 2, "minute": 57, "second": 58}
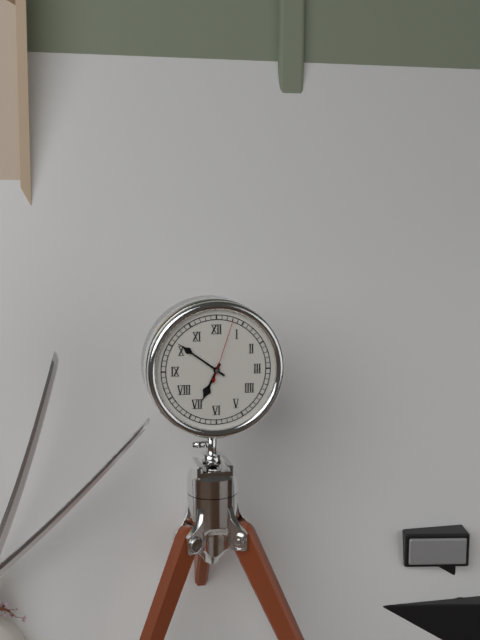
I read {"hour": 6, "minute": 51, "second": 3}
